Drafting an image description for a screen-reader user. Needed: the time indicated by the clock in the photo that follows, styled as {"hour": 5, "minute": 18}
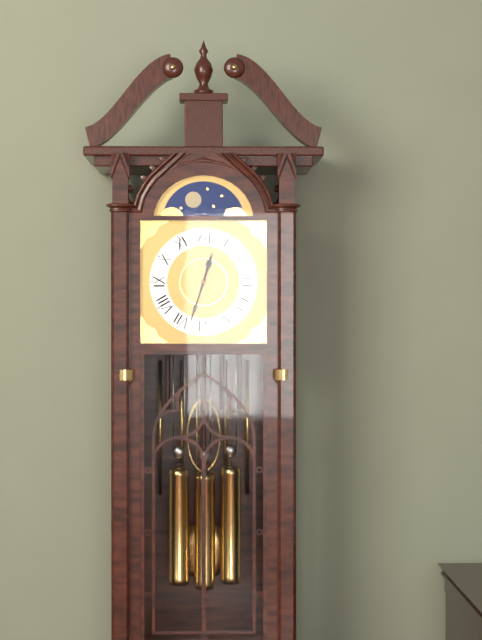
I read {"hour": 12, "minute": 33}
